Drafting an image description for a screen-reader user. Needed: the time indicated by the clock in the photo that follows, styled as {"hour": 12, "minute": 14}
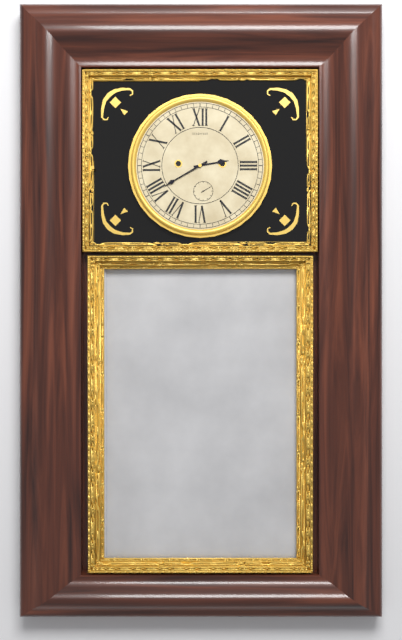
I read {"hour": 2, "minute": 40}
